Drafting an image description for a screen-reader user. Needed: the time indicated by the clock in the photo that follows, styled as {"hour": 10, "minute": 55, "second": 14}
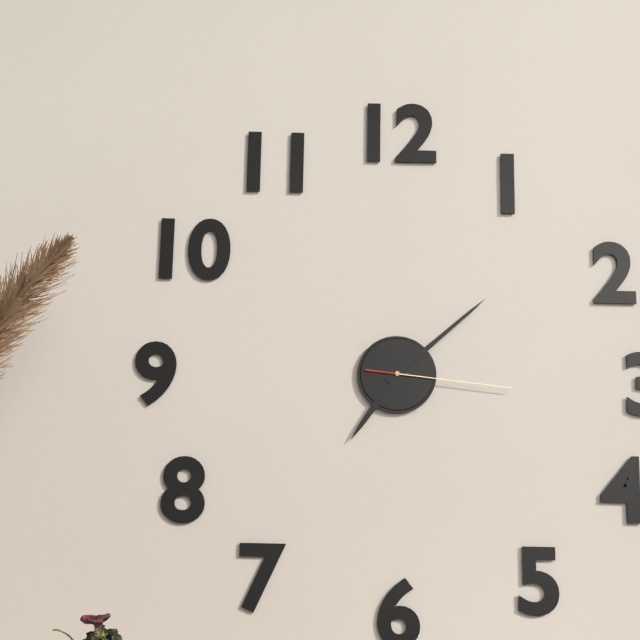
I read {"hour": 7, "minute": 8, "second": 16}
